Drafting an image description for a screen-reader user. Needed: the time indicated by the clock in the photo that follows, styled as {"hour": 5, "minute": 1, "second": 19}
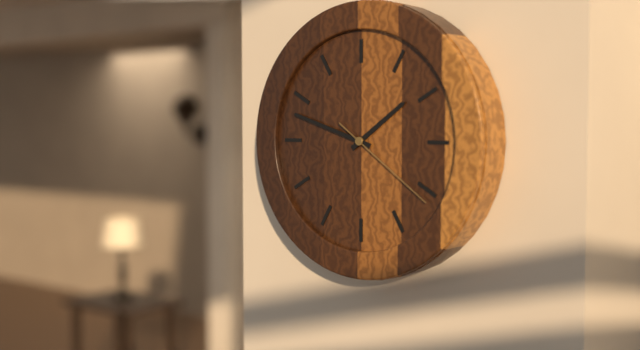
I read {"hour": 1, "minute": 48, "second": 21}
